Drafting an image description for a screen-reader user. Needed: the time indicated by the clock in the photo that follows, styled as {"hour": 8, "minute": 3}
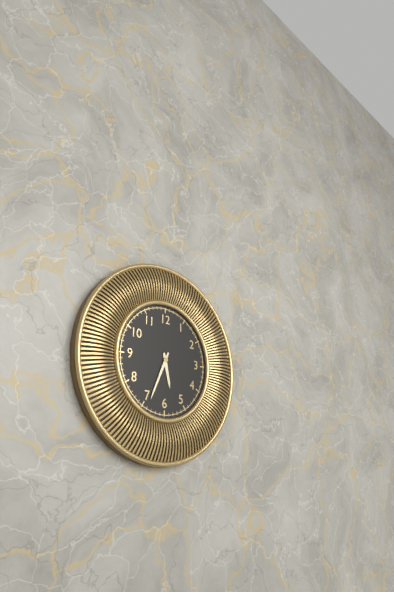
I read {"hour": 5, "minute": 34}
